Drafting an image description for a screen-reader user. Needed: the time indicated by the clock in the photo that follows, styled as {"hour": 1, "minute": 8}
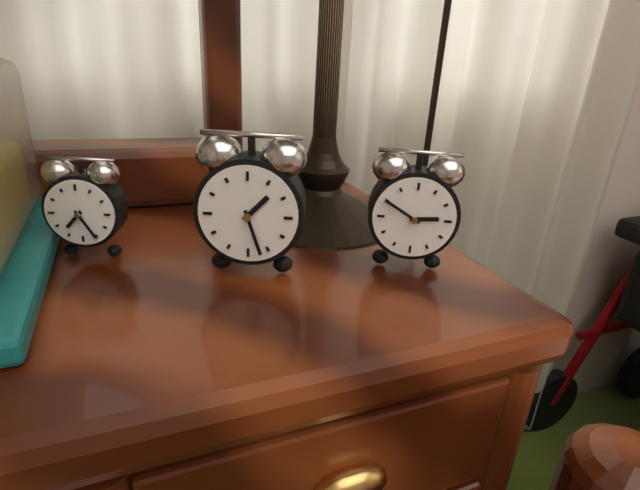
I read {"hour": 1, "minute": 27}
